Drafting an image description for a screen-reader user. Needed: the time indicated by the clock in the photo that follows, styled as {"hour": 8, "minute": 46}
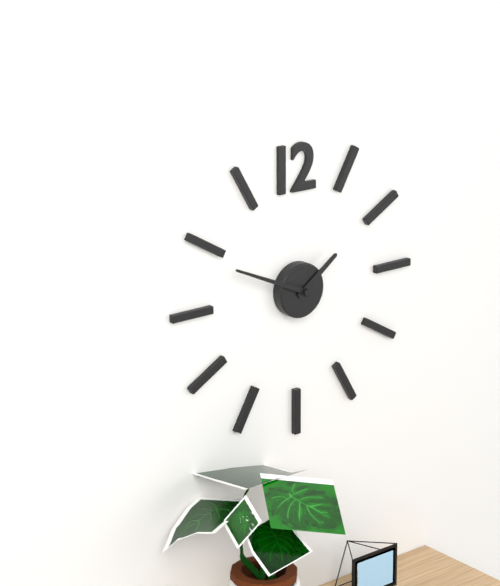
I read {"hour": 1, "minute": 49}
